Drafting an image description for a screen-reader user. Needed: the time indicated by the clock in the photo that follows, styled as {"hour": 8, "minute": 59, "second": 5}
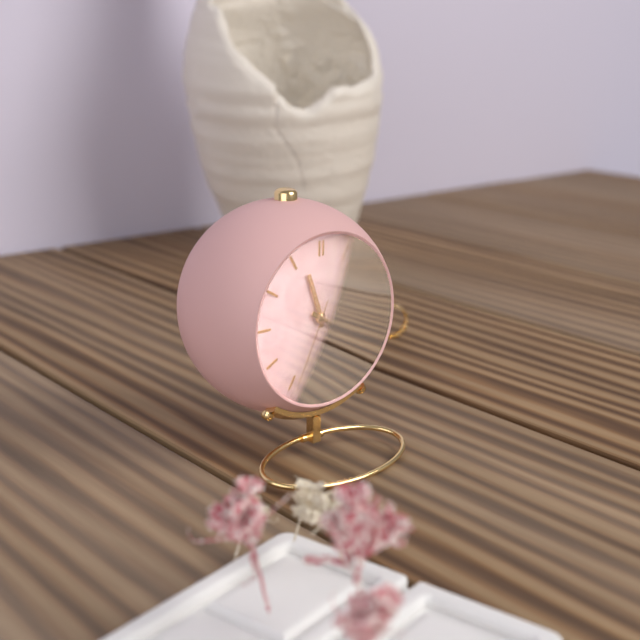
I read {"hour": 11, "minute": 20, "second": 34}
